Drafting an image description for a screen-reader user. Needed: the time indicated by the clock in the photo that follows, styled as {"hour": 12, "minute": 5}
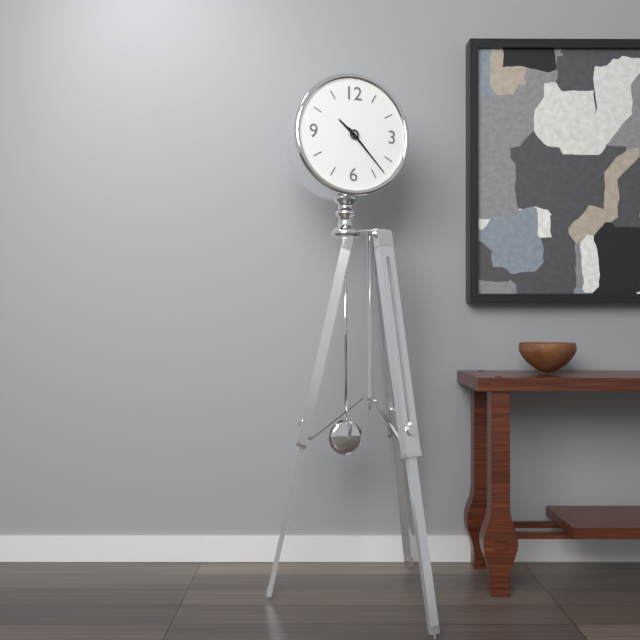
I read {"hour": 10, "minute": 23}
